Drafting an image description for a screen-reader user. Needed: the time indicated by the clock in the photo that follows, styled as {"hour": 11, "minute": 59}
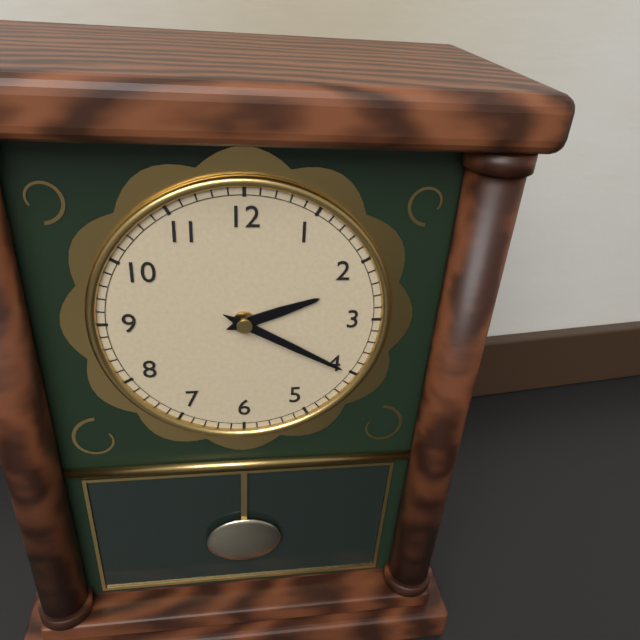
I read {"hour": 2, "minute": 20}
